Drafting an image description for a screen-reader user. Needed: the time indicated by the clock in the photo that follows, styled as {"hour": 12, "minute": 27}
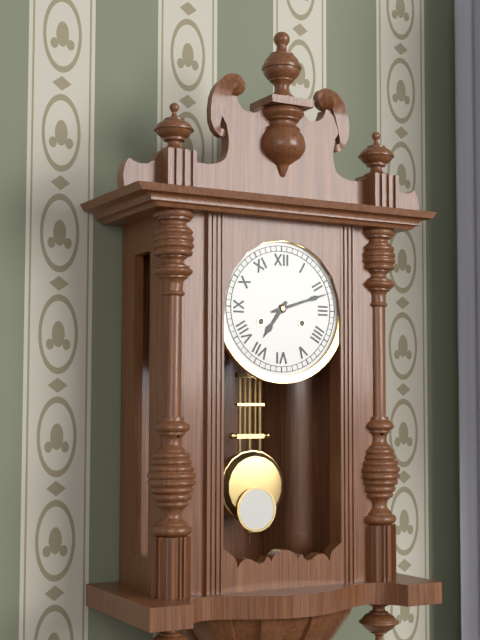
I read {"hour": 7, "minute": 12}
